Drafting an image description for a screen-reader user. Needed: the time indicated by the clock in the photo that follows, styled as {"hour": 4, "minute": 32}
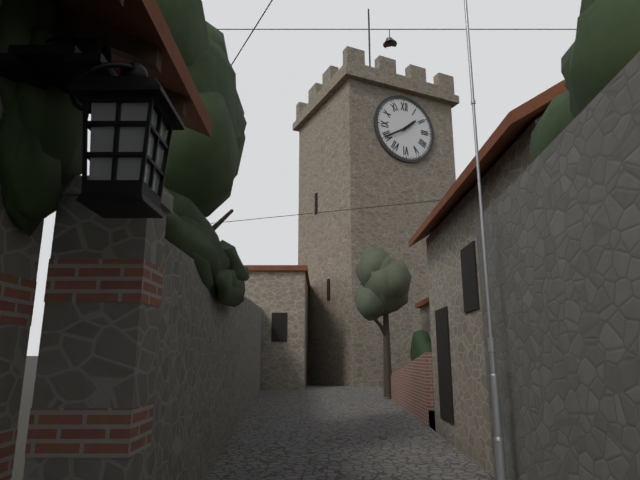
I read {"hour": 1, "minute": 40}
